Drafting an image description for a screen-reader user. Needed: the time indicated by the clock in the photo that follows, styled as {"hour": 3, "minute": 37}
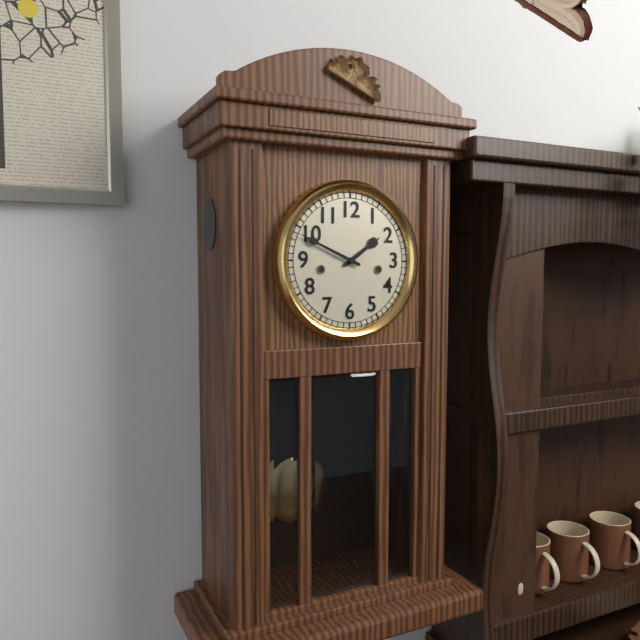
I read {"hour": 1, "minute": 49}
